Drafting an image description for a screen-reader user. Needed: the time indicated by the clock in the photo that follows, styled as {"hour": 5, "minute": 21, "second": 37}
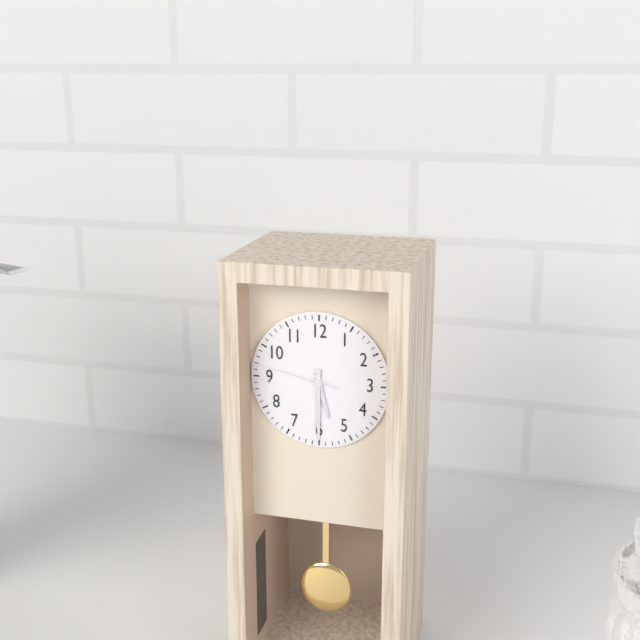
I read {"hour": 5, "minute": 30, "second": 47}
